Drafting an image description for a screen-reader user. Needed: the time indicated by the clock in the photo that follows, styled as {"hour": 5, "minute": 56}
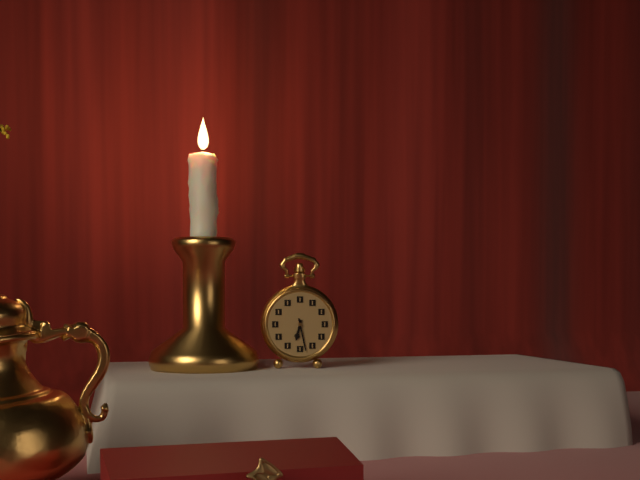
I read {"hour": 6, "minute": 28}
